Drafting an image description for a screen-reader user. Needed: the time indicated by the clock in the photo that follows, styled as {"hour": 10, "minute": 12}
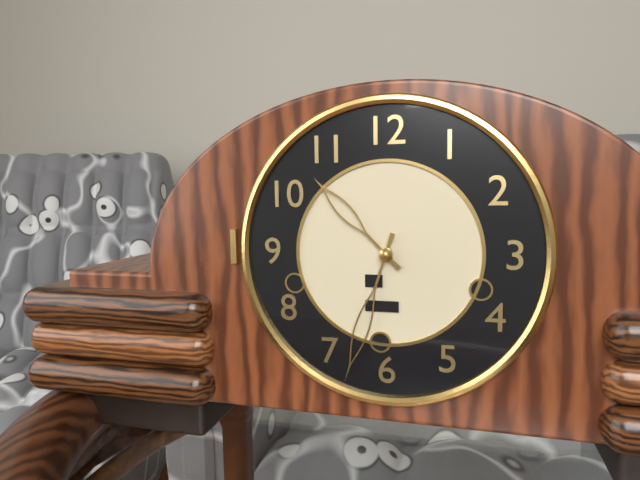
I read {"hour": 10, "minute": 33}
